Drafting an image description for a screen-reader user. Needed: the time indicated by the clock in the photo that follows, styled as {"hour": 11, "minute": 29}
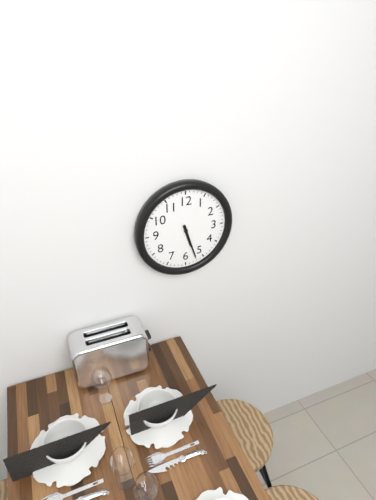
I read {"hour": 5, "minute": 27}
